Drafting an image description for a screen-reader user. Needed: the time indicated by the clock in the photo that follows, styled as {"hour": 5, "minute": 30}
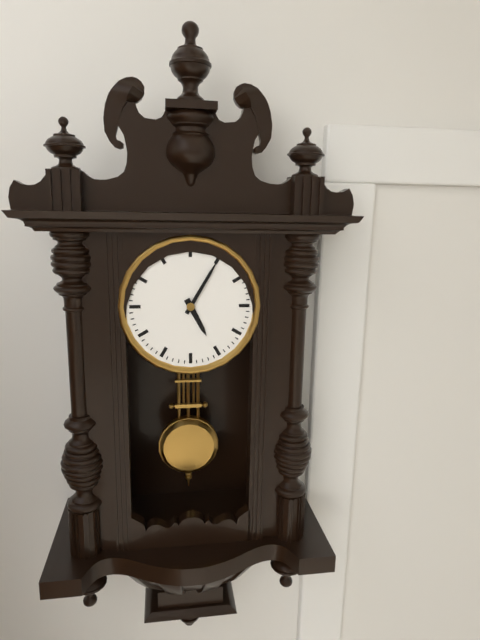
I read {"hour": 5, "minute": 5}
